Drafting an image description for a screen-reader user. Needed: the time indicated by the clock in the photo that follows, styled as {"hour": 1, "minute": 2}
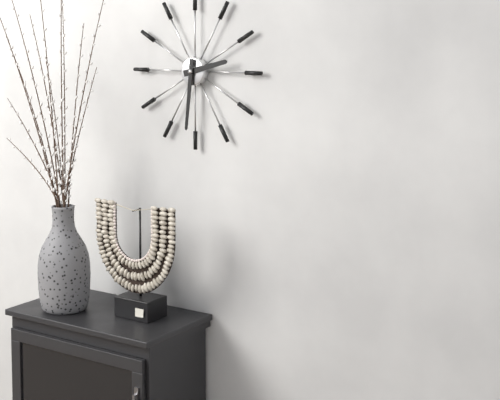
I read {"hour": 2, "minute": 31}
